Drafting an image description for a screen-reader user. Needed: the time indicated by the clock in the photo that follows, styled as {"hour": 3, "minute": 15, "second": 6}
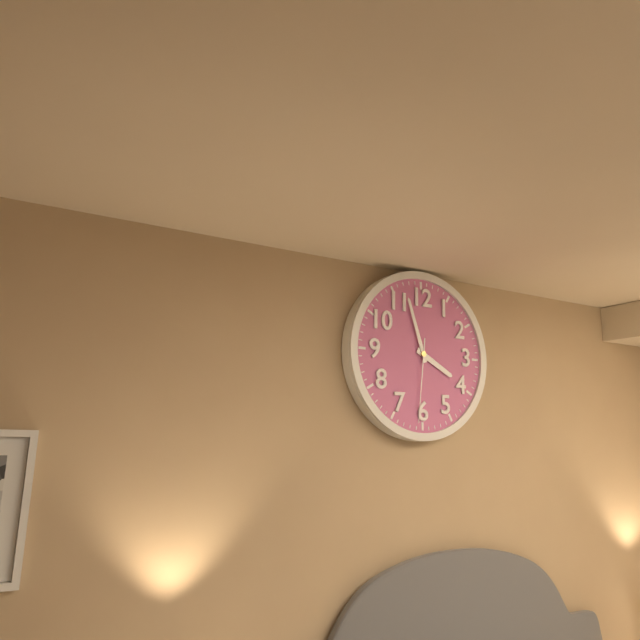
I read {"hour": 3, "minute": 57, "second": 31}
